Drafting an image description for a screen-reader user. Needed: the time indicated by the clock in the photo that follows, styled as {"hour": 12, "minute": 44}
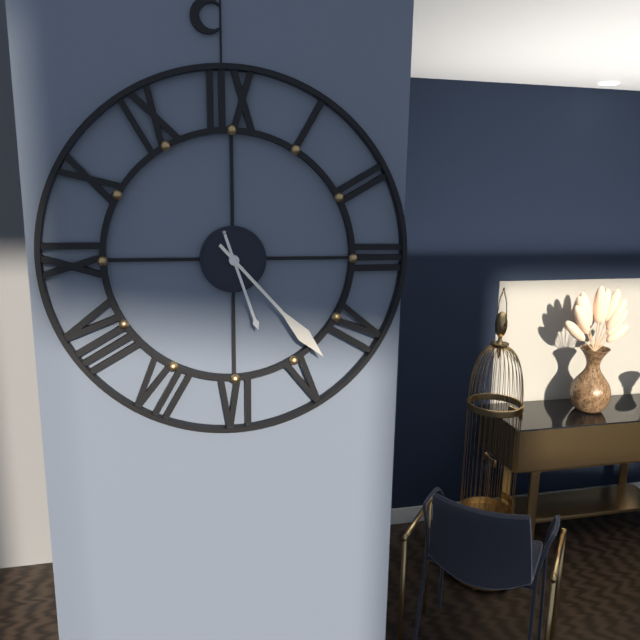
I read {"hour": 5, "minute": 23}
